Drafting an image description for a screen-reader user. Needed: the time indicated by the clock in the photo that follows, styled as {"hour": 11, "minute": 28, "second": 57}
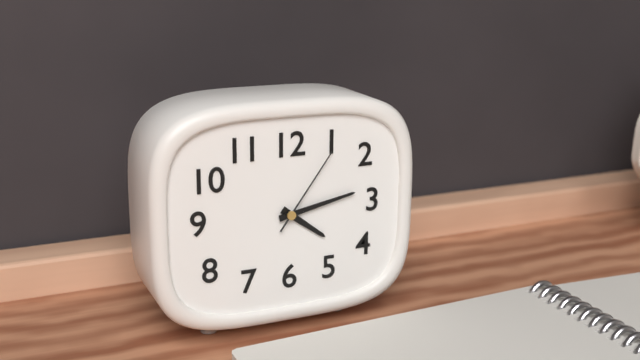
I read {"hour": 4, "minute": 13, "second": 6}
